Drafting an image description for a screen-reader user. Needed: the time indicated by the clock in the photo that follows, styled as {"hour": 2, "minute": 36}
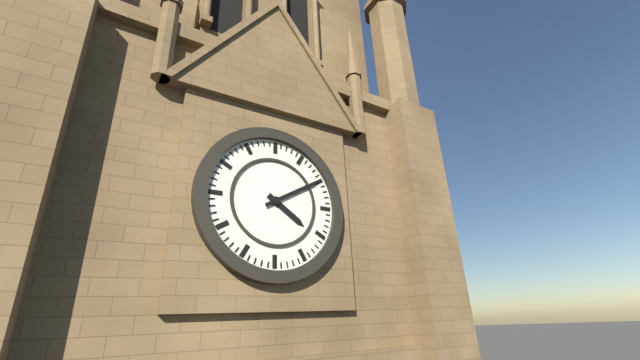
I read {"hour": 4, "minute": 10}
